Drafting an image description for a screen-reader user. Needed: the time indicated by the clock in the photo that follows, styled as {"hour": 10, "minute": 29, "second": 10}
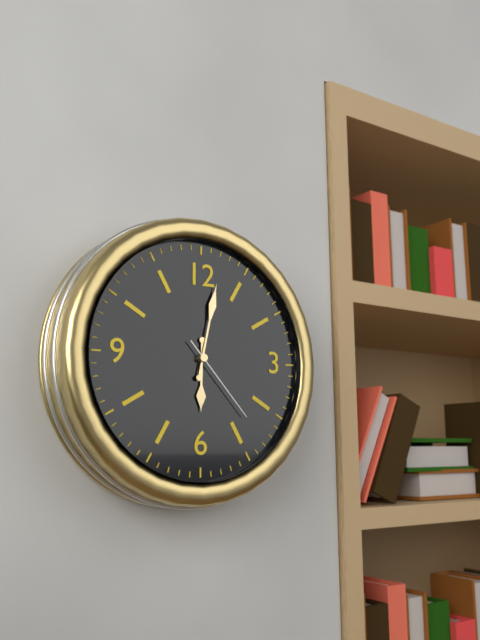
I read {"hour": 6, "minute": 2, "second": 23}
